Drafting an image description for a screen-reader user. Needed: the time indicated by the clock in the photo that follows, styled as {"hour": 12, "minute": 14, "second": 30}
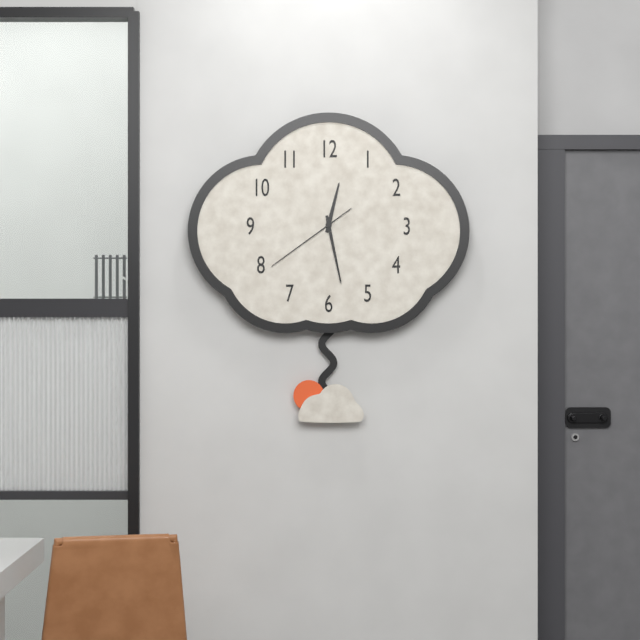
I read {"hour": 12, "minute": 28, "second": 39}
